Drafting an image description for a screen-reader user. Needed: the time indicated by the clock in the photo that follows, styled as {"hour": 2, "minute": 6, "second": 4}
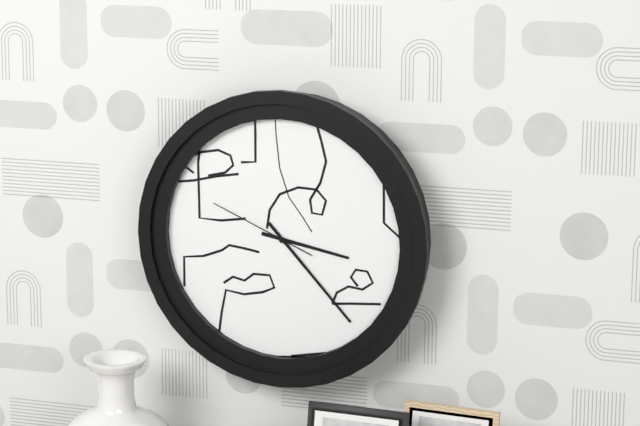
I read {"hour": 3, "minute": 23, "second": 49}
